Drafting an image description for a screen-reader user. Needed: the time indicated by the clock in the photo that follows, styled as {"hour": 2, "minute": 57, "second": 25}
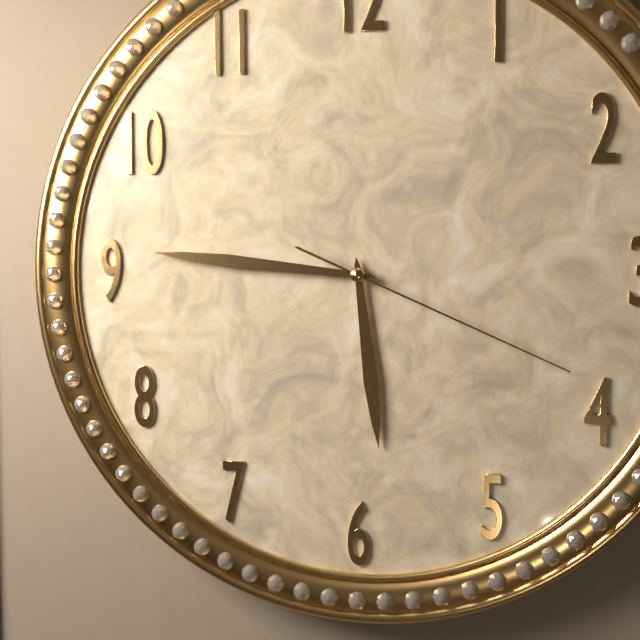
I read {"hour": 5, "minute": 46, "second": 19}
